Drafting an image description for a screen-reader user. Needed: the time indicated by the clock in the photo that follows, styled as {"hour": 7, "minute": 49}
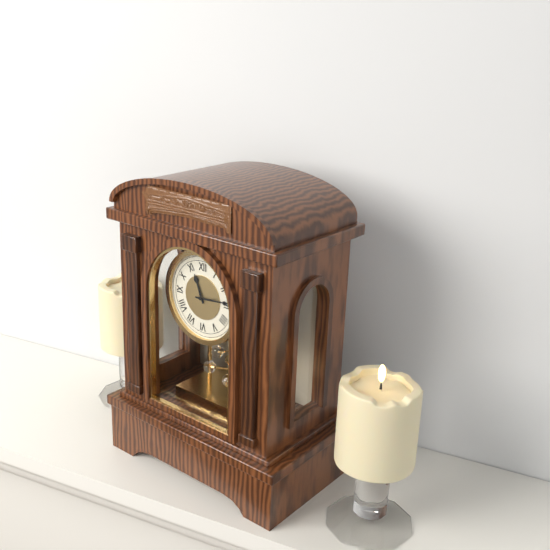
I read {"hour": 11, "minute": 14}
